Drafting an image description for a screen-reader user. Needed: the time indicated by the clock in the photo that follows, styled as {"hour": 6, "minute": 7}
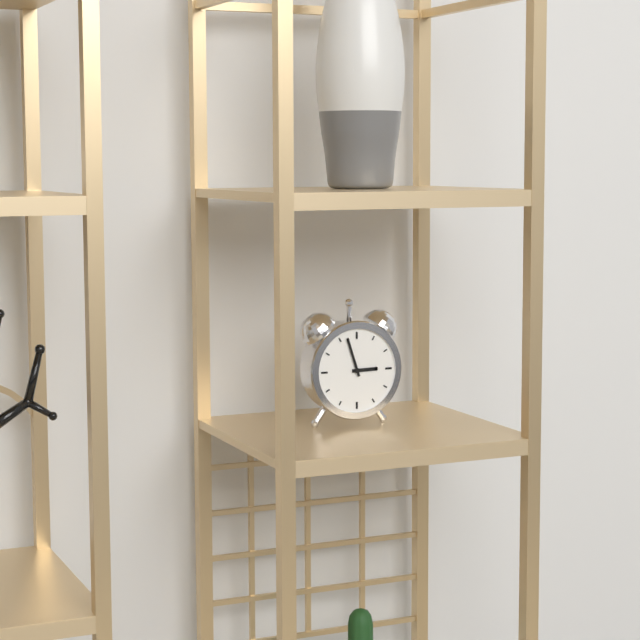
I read {"hour": 2, "minute": 57}
